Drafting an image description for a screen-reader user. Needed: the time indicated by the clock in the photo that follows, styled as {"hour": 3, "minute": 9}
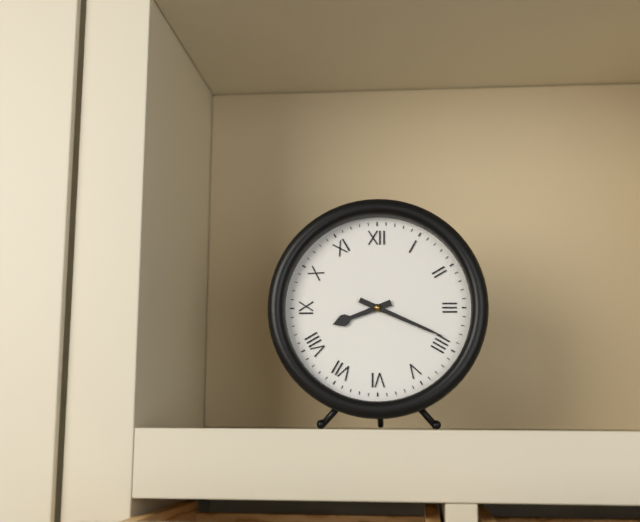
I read {"hour": 8, "minute": 19}
